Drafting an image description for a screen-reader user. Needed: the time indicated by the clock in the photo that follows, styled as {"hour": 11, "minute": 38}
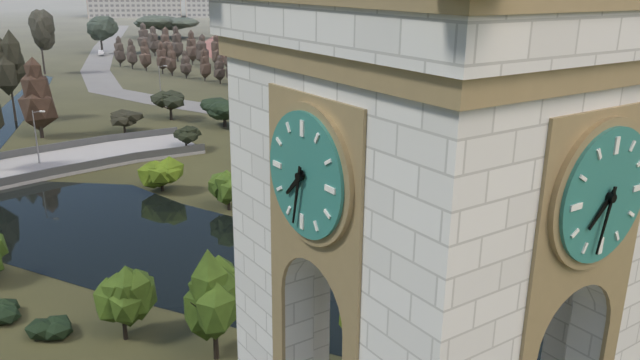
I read {"hour": 7, "minute": 32}
